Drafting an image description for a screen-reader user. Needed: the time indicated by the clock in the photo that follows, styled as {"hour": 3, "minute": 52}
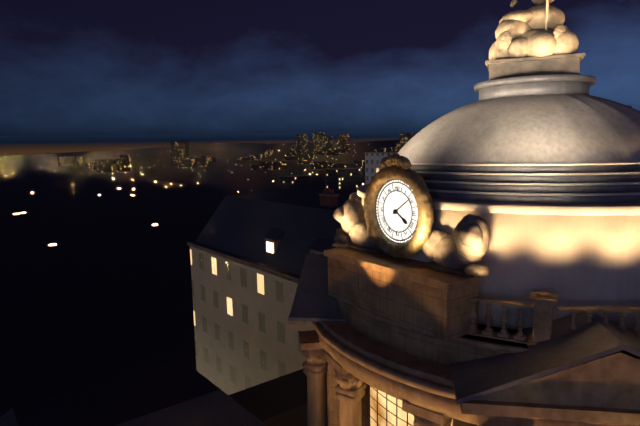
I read {"hour": 4, "minute": 9}
